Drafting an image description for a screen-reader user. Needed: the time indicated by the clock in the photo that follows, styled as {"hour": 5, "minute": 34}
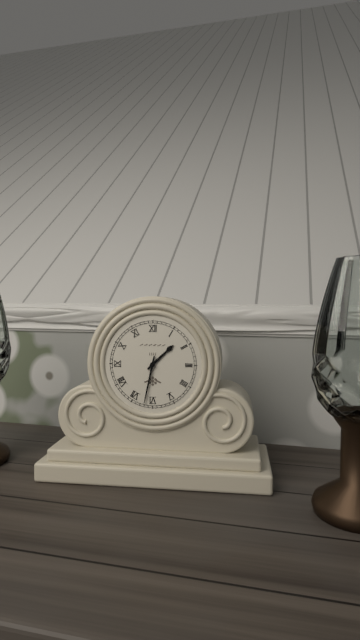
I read {"hour": 1, "minute": 32}
